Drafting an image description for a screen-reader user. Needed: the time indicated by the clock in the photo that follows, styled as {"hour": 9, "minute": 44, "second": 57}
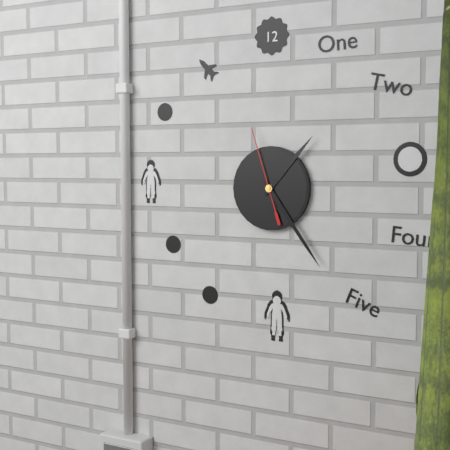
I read {"hour": 1, "minute": 24, "second": 57}
